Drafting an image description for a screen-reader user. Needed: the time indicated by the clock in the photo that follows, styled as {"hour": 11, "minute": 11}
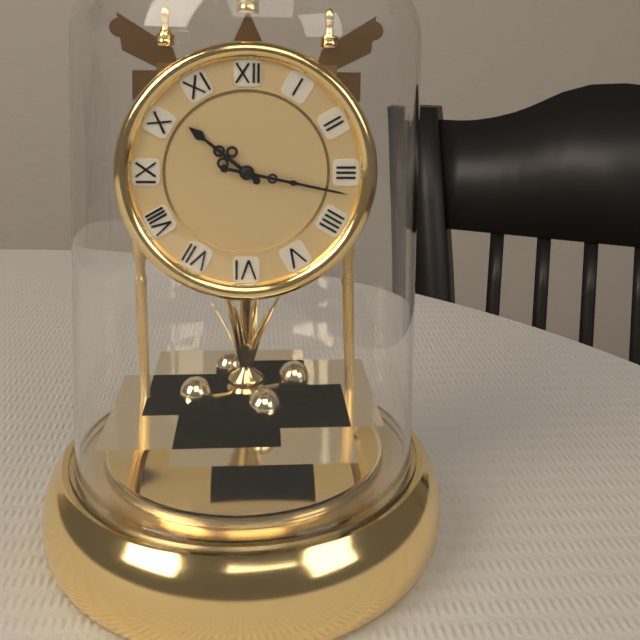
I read {"hour": 10, "minute": 17}
